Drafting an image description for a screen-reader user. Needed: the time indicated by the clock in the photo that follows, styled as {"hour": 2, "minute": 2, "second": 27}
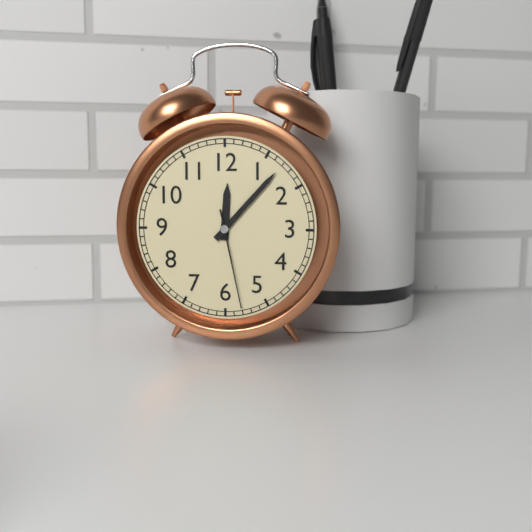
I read {"hour": 12, "minute": 7, "second": 28}
